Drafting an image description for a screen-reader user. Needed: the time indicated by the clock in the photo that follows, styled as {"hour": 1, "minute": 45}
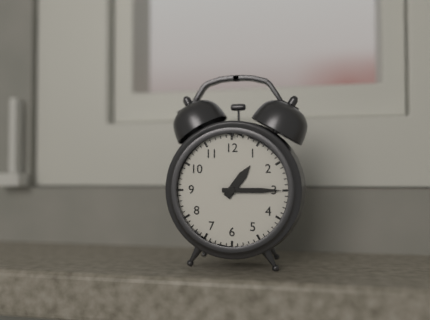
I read {"hour": 1, "minute": 15}
